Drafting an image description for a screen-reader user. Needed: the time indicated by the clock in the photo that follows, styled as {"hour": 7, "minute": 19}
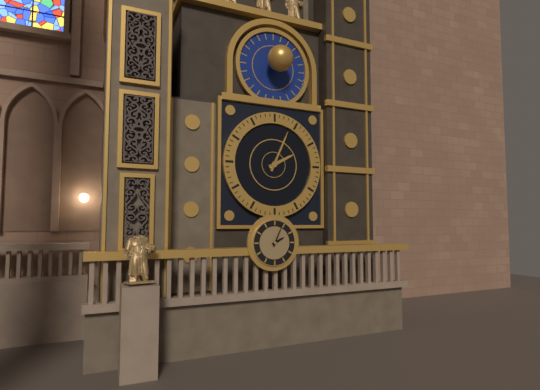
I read {"hour": 2, "minute": 4}
